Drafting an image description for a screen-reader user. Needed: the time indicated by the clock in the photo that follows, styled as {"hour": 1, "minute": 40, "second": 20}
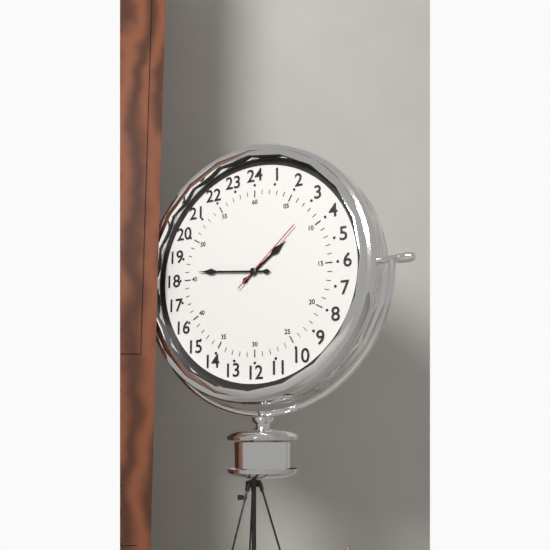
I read {"hour": 1, "minute": 46, "second": 8}
